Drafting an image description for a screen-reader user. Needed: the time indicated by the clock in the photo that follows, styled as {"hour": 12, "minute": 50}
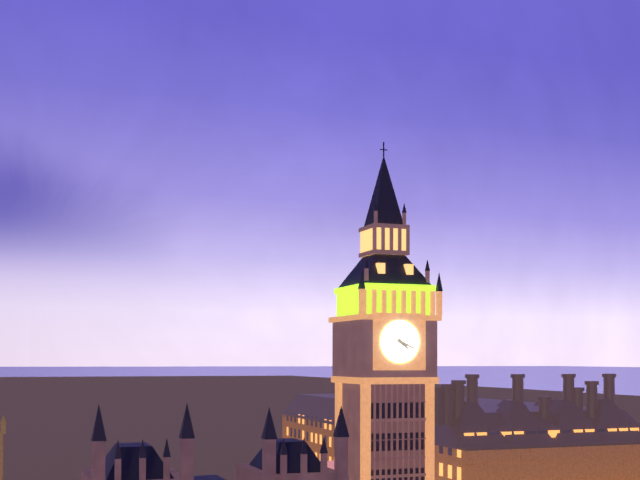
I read {"hour": 4, "minute": 19}
